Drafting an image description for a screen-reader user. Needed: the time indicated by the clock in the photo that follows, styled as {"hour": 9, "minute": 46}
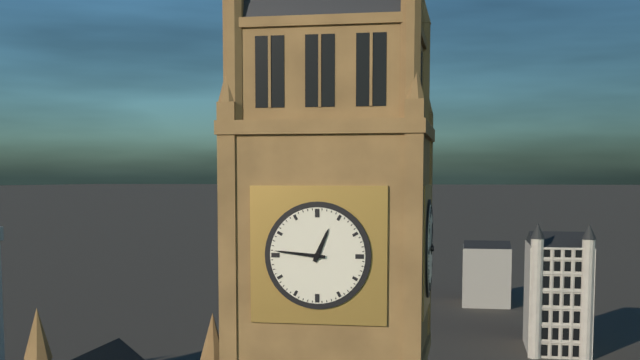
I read {"hour": 12, "minute": 46}
